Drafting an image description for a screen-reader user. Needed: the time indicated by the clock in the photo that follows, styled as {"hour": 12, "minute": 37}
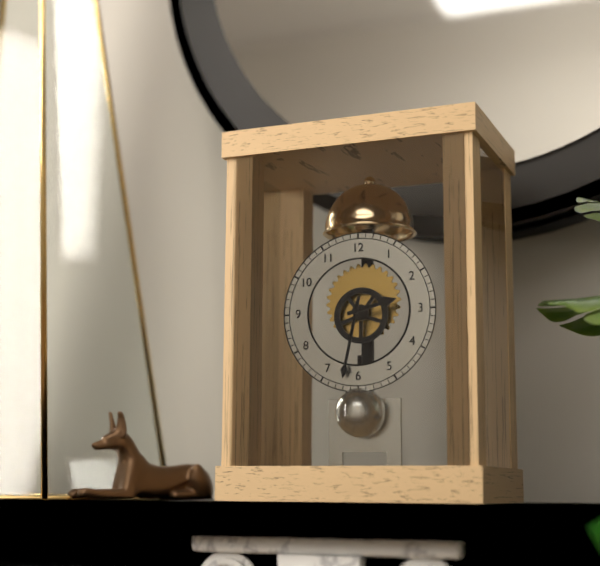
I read {"hour": 2, "minute": 32}
